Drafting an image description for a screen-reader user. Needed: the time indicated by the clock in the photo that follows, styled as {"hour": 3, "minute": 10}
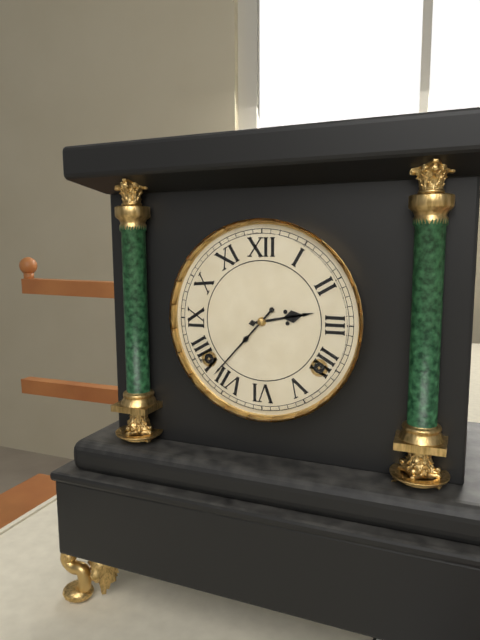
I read {"hour": 2, "minute": 37}
